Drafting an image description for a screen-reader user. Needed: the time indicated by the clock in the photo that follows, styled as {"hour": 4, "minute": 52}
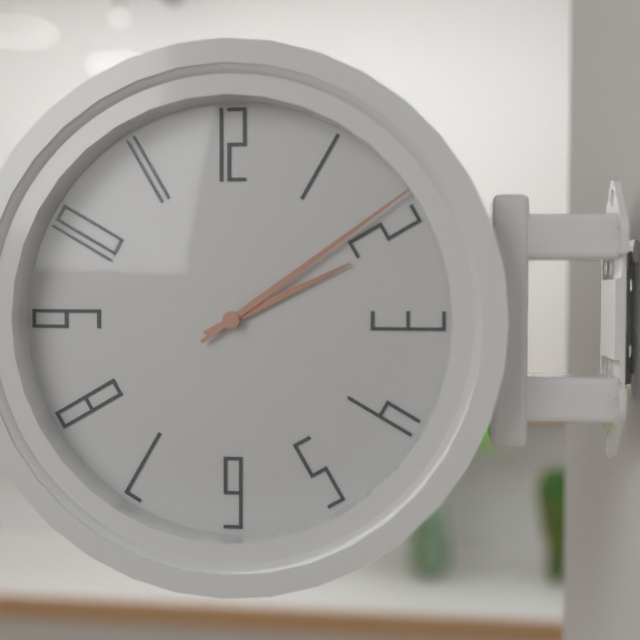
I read {"hour": 2, "minute": 9}
